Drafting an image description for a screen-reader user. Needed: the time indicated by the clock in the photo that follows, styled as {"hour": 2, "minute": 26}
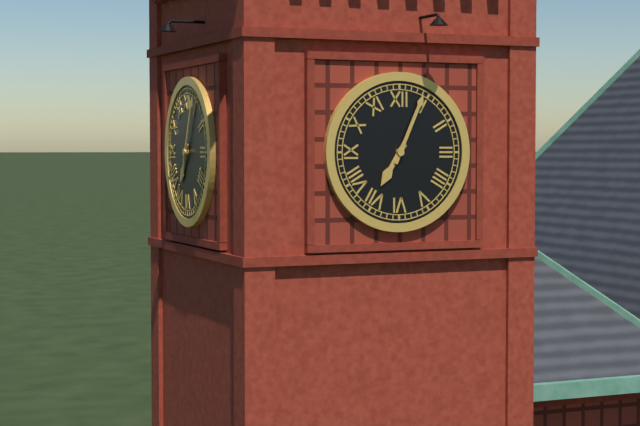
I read {"hour": 7, "minute": 4}
